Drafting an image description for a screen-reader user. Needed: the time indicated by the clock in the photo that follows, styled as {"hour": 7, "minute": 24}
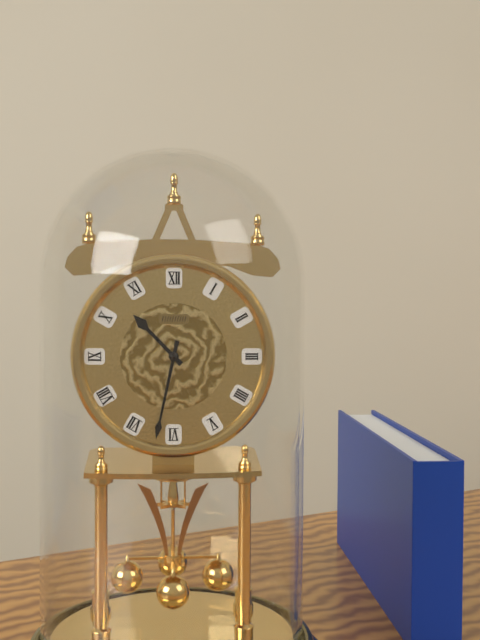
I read {"hour": 10, "minute": 32}
